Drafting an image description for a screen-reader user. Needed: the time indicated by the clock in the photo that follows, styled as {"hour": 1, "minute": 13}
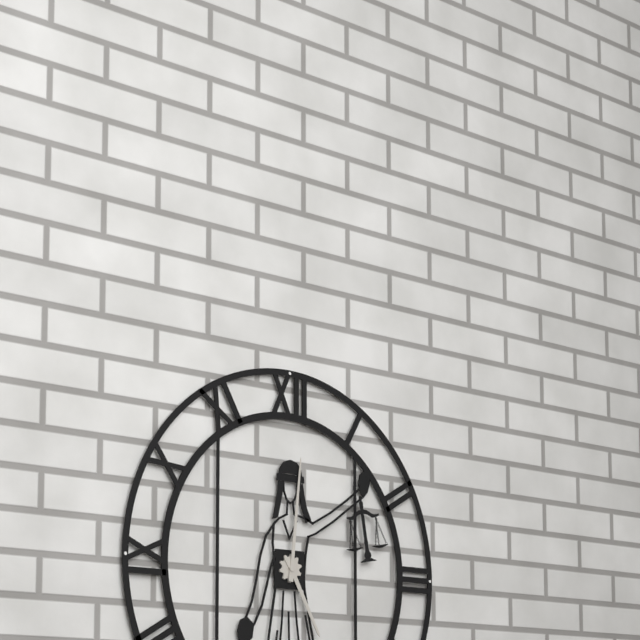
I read {"hour": 5, "minute": 1}
